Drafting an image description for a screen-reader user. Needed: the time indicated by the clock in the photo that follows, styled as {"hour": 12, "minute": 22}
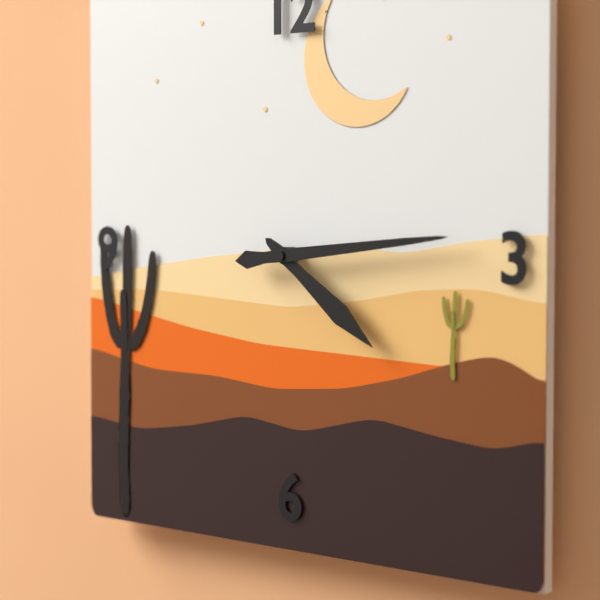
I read {"hour": 4, "minute": 14}
